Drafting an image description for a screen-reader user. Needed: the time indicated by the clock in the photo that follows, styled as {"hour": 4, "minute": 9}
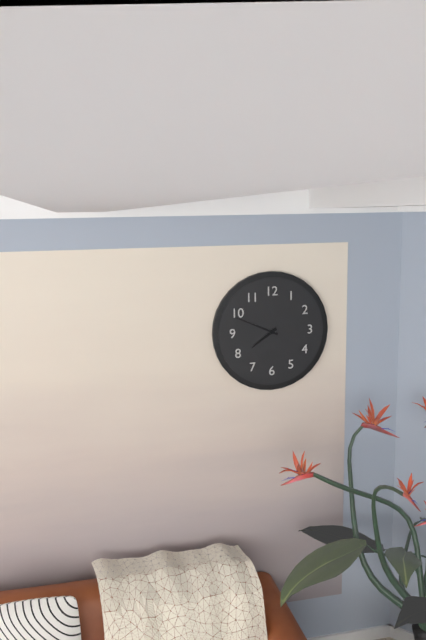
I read {"hour": 7, "minute": 49}
